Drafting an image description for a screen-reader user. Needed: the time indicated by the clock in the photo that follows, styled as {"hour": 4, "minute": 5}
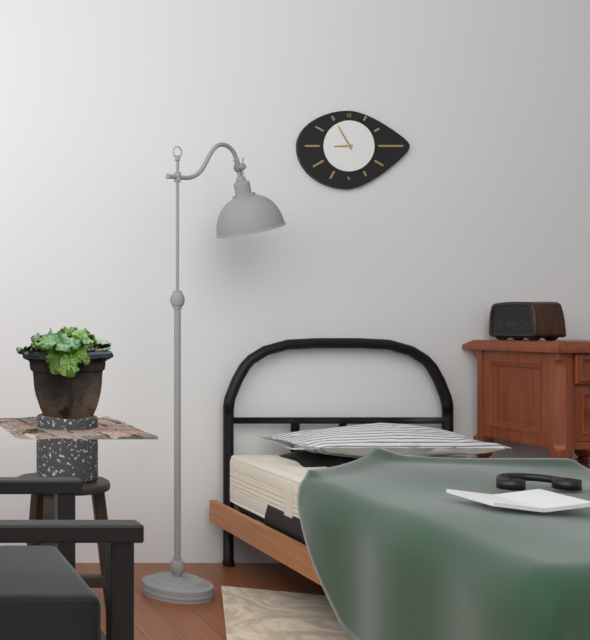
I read {"hour": 8, "minute": 55}
